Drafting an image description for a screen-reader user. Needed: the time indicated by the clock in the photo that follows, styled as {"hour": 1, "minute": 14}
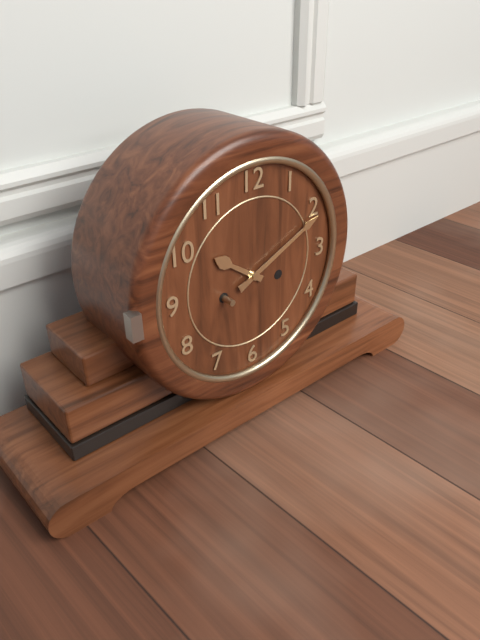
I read {"hour": 10, "minute": 11}
